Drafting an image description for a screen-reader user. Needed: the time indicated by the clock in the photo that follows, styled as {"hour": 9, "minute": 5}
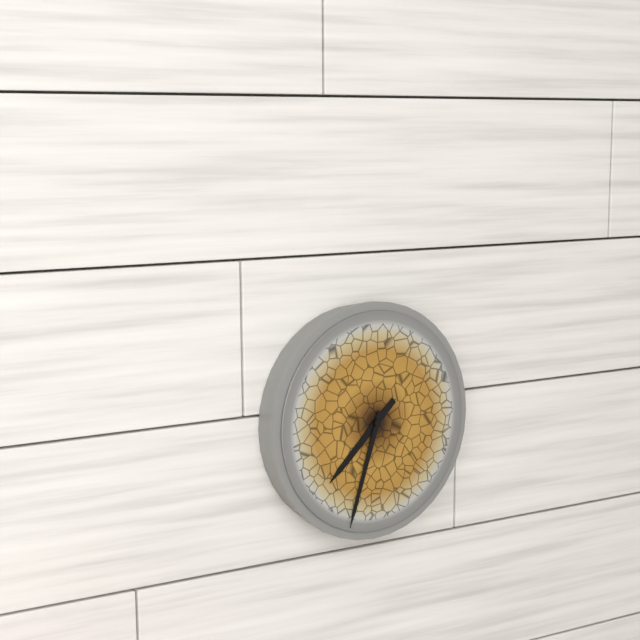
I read {"hour": 7, "minute": 33}
